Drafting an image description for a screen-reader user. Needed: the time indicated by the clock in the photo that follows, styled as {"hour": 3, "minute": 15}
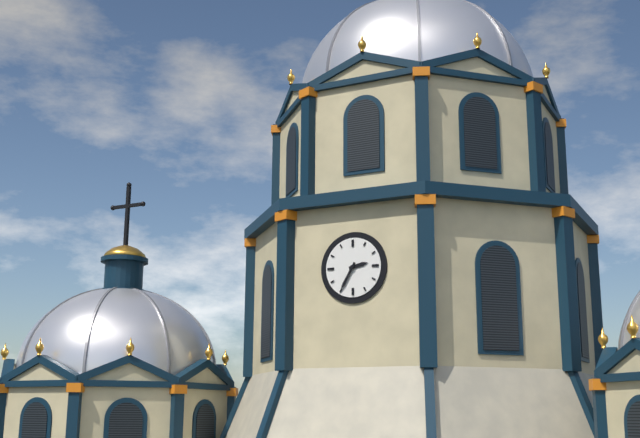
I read {"hour": 2, "minute": 35}
